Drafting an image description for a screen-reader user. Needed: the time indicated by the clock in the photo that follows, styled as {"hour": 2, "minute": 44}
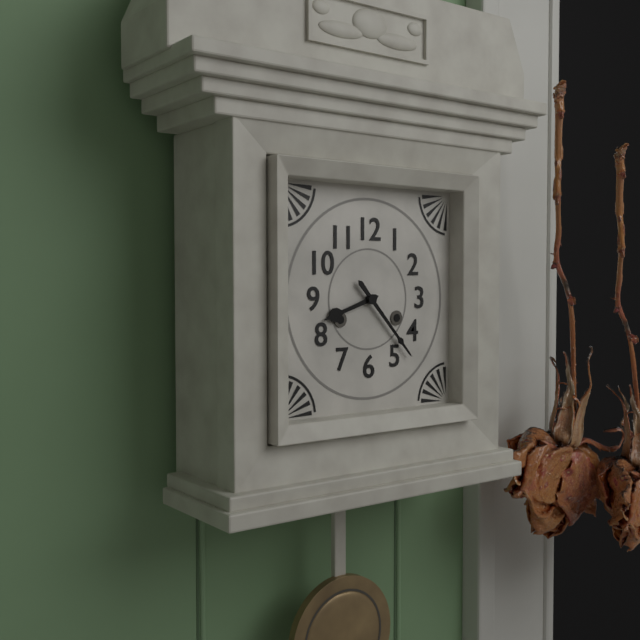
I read {"hour": 8, "minute": 23}
